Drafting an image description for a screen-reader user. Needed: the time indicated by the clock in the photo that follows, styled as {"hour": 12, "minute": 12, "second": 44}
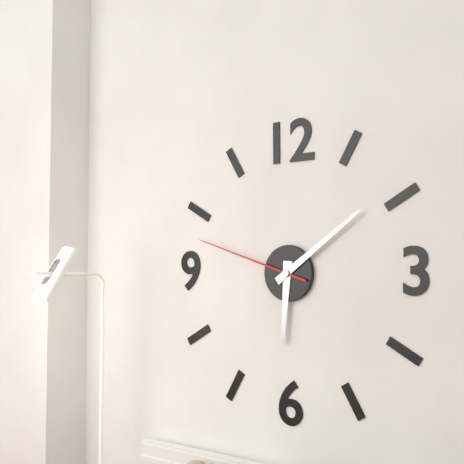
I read {"hour": 6, "minute": 9, "second": 48}
